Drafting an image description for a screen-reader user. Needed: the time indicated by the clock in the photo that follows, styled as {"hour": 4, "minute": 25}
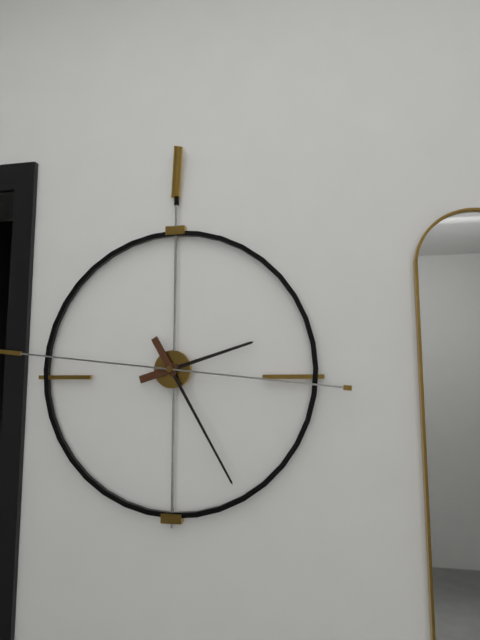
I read {"hour": 2, "minute": 25}
